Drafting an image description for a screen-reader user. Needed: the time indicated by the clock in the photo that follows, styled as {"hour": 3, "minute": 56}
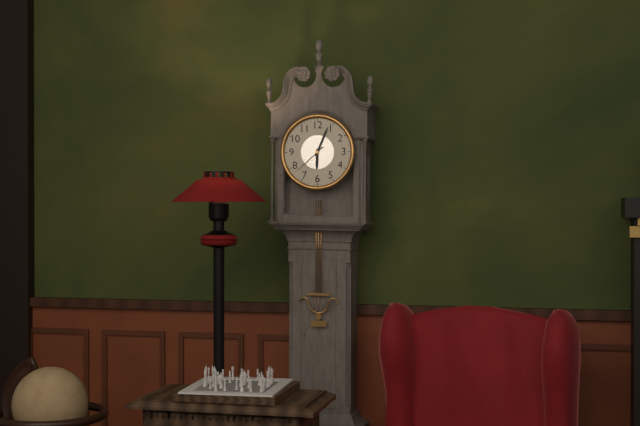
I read {"hour": 6, "minute": 4}
